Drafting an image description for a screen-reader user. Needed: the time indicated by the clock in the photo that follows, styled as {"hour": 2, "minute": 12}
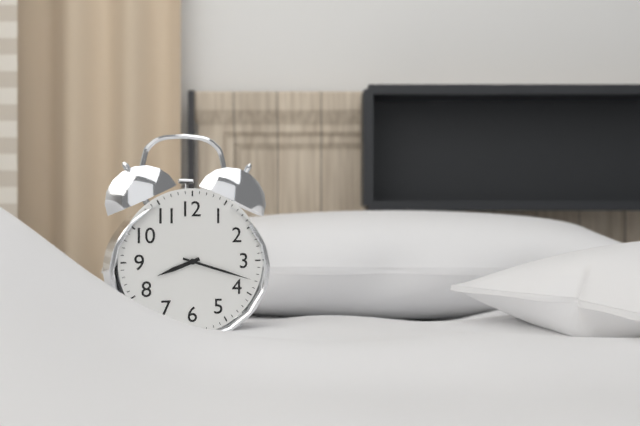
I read {"hour": 8, "minute": 18}
